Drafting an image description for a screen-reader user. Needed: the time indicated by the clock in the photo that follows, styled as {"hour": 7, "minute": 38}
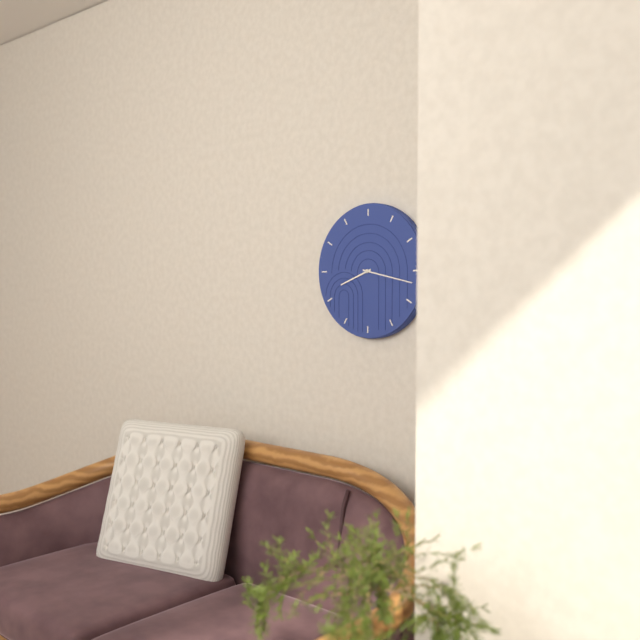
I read {"hour": 8, "minute": 17}
